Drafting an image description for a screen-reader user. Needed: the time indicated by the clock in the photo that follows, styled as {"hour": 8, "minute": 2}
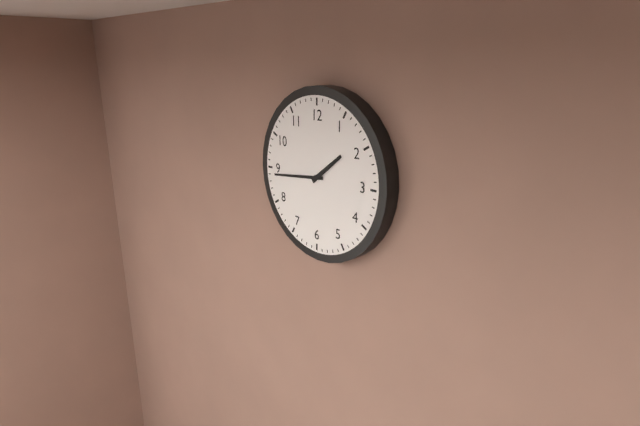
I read {"hour": 1, "minute": 44}
